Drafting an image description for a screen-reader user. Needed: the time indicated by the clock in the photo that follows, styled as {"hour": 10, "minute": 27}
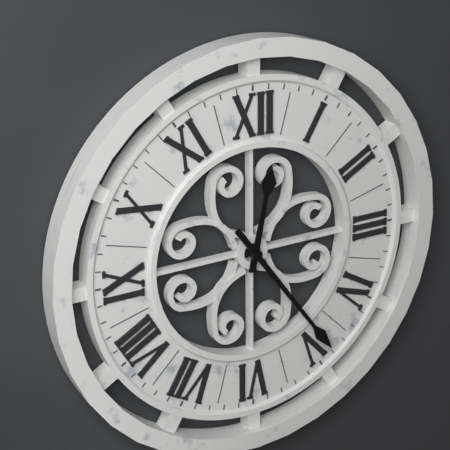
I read {"hour": 12, "minute": 24}
